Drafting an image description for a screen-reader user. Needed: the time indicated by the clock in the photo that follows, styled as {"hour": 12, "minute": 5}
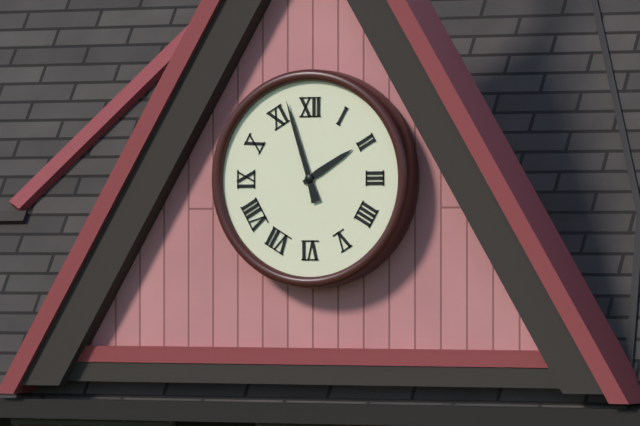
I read {"hour": 1, "minute": 57}
